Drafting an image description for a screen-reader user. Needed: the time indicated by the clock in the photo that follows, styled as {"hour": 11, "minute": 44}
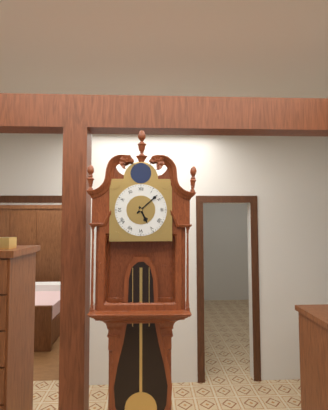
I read {"hour": 5, "minute": 8}
